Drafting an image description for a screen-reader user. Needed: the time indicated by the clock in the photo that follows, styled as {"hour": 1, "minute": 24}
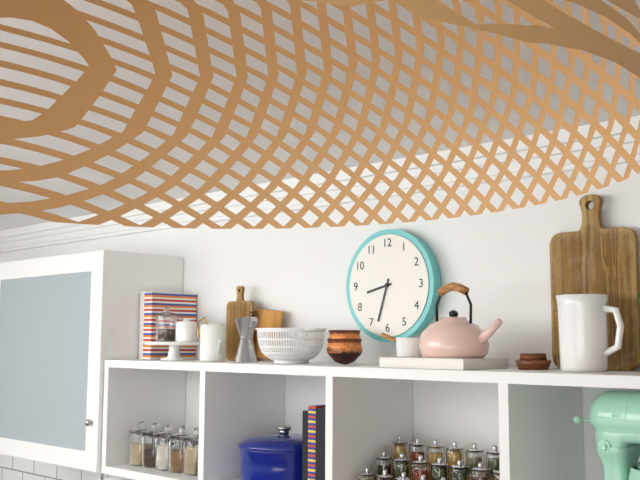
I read {"hour": 8, "minute": 33}
